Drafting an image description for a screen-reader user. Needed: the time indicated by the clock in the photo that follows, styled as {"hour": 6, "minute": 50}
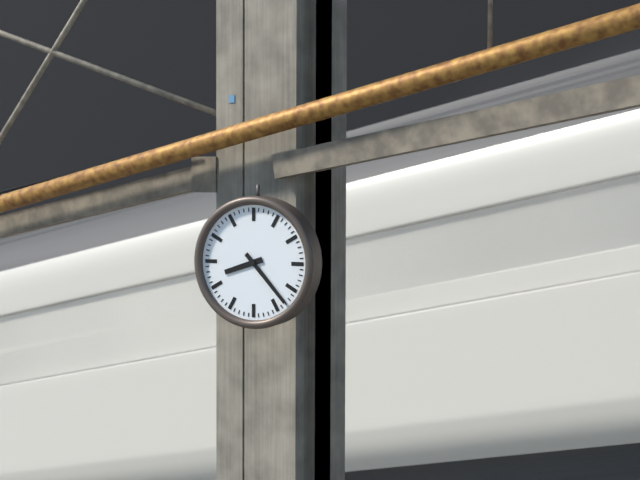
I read {"hour": 8, "minute": 23}
